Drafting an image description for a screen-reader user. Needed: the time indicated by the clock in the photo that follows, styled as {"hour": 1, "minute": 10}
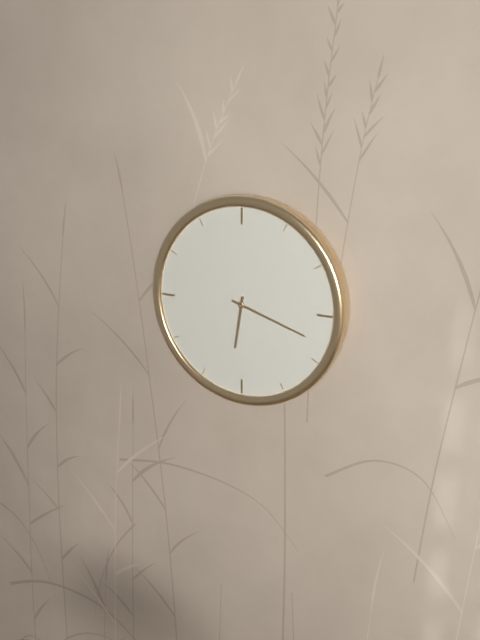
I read {"hour": 6, "minute": 18}
